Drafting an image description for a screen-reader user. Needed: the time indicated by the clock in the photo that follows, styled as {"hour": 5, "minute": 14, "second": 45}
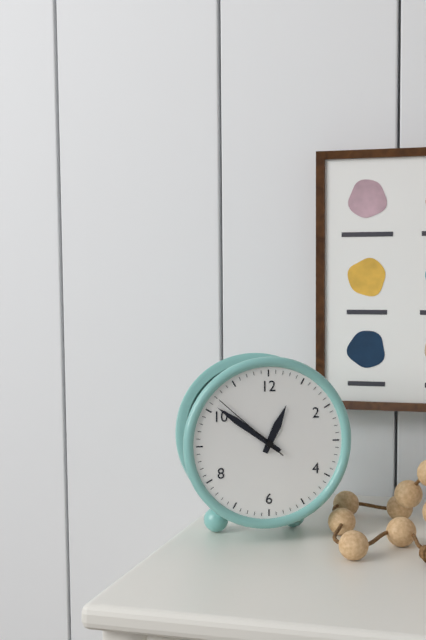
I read {"hour": 12, "minute": 51, "second": 52}
